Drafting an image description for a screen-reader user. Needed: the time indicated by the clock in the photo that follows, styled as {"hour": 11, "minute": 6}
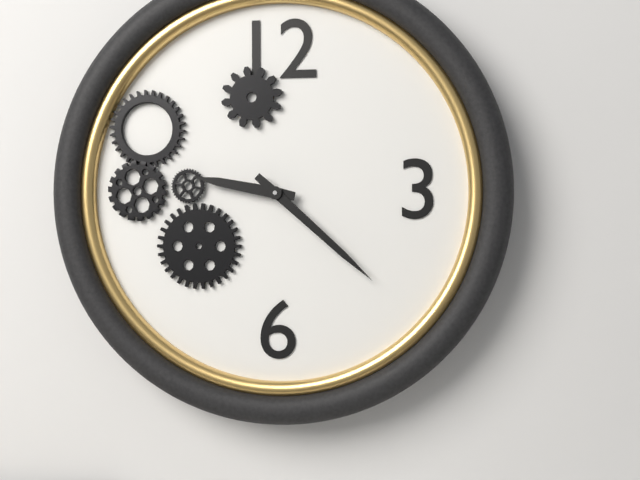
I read {"hour": 9, "minute": 22}
